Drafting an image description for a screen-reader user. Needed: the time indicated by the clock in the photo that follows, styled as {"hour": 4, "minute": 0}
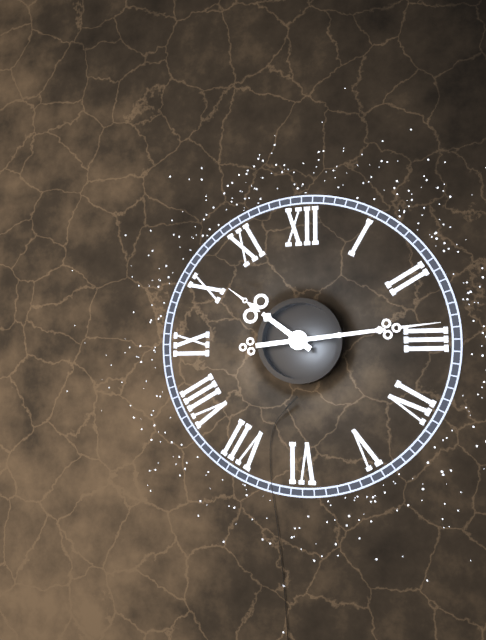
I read {"hour": 10, "minute": 14}
